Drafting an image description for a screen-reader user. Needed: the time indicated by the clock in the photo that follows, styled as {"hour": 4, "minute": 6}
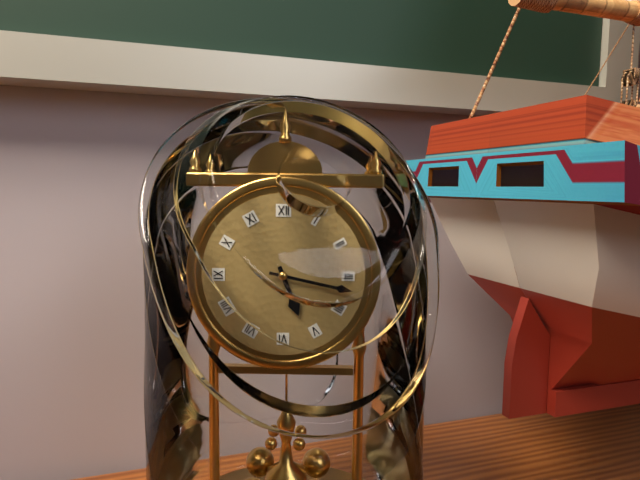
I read {"hour": 5, "minute": 17}
